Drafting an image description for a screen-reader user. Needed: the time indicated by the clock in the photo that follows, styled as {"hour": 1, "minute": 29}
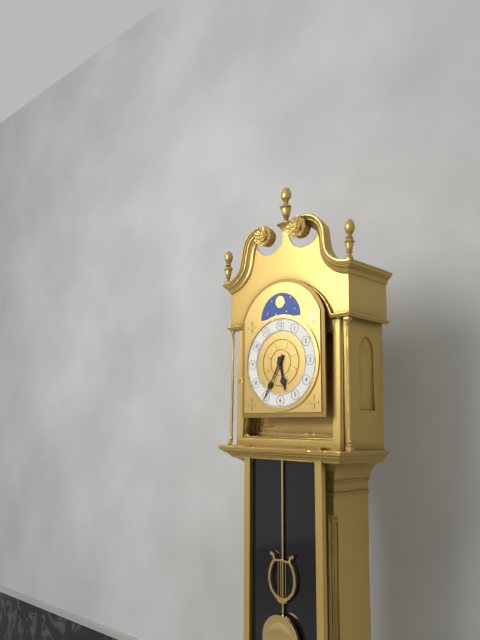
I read {"hour": 5, "minute": 35}
